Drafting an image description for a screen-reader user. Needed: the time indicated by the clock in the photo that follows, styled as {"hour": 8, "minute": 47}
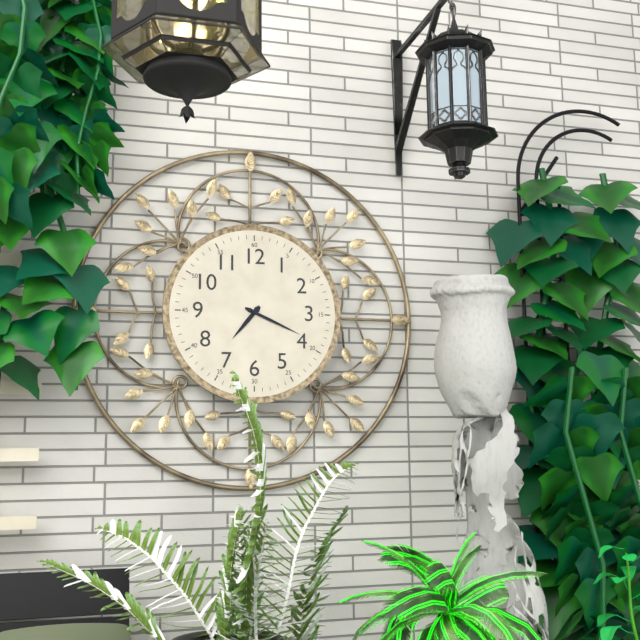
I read {"hour": 7, "minute": 19}
